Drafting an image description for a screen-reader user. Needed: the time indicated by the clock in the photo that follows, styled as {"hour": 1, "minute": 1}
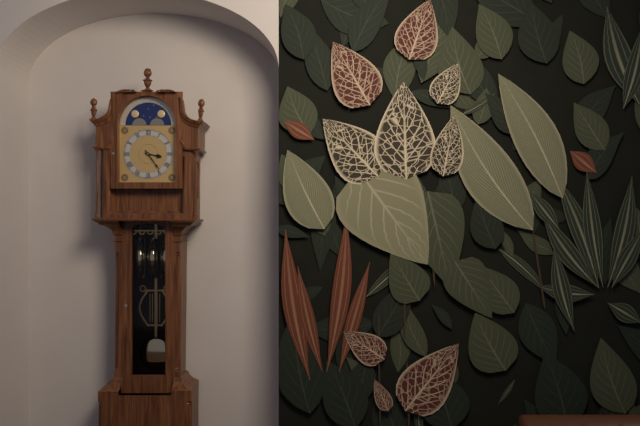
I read {"hour": 3, "minute": 24}
